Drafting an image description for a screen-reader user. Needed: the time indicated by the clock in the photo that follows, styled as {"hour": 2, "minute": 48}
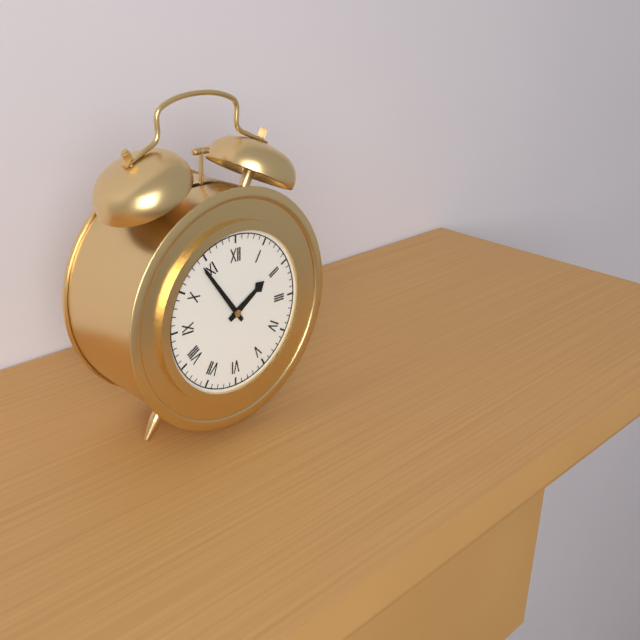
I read {"hour": 1, "minute": 54}
